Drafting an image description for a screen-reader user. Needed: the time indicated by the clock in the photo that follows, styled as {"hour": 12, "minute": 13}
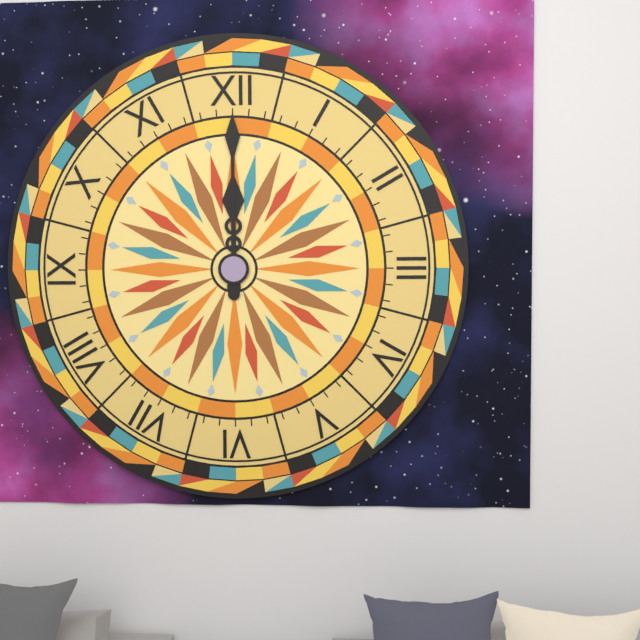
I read {"hour": 12, "minute": 0}
